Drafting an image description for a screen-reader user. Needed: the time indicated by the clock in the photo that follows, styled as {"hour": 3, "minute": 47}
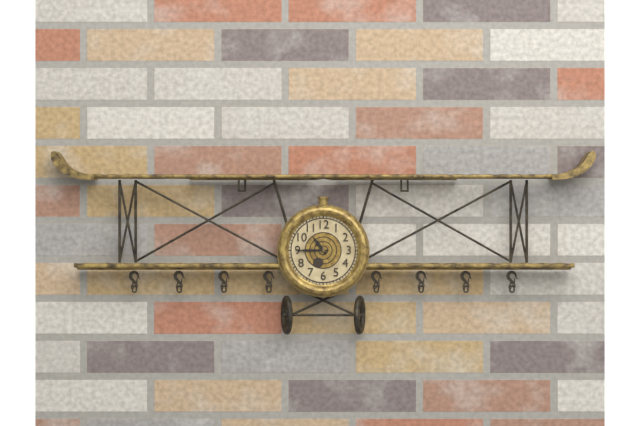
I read {"hour": 10, "minute": 45}
